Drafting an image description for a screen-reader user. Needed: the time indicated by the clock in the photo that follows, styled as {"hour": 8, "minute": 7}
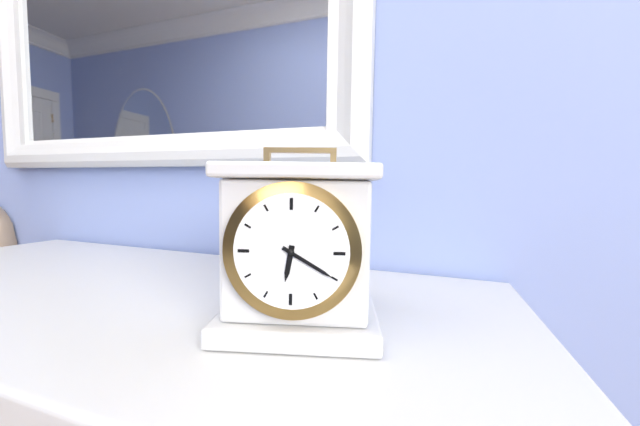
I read {"hour": 6, "minute": 20}
